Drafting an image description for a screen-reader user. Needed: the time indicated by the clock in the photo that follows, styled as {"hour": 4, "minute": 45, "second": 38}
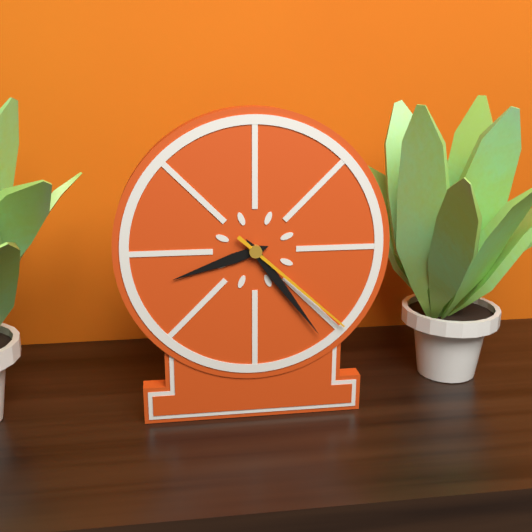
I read {"hour": 8, "minute": 24, "second": 22}
